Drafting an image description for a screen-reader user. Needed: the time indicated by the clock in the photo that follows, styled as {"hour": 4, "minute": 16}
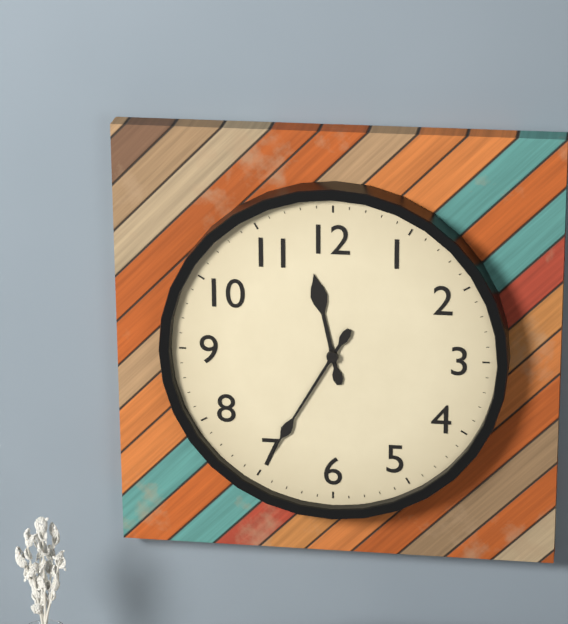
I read {"hour": 11, "minute": 35}
